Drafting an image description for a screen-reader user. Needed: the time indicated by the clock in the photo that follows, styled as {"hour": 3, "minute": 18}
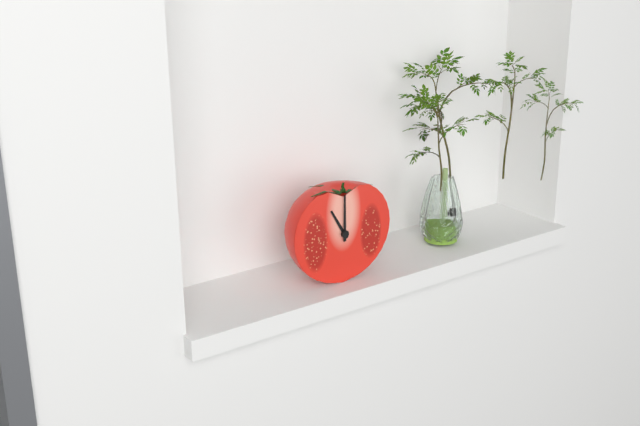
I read {"hour": 11, "minute": 0}
